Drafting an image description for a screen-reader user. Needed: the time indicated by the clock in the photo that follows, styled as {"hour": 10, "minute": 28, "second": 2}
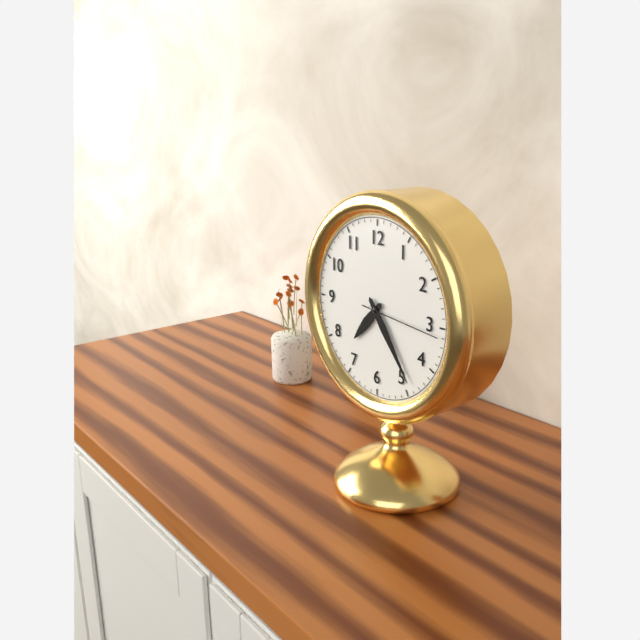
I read {"hour": 7, "minute": 24, "second": 16}
